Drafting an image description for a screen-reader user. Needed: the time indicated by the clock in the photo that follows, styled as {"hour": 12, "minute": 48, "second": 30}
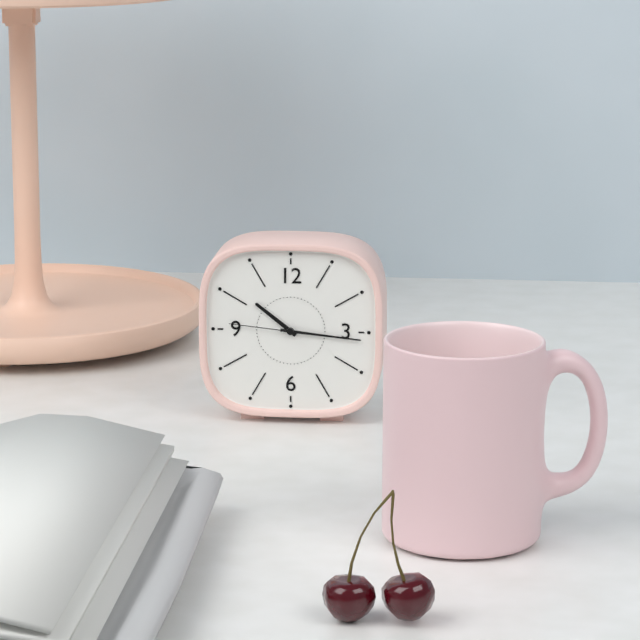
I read {"hour": 10, "minute": 16, "second": 46}
